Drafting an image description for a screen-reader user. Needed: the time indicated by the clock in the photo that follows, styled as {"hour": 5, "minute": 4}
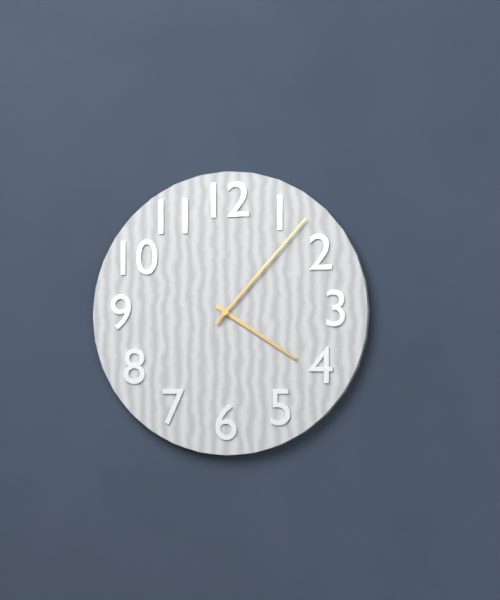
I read {"hour": 4, "minute": 7}
